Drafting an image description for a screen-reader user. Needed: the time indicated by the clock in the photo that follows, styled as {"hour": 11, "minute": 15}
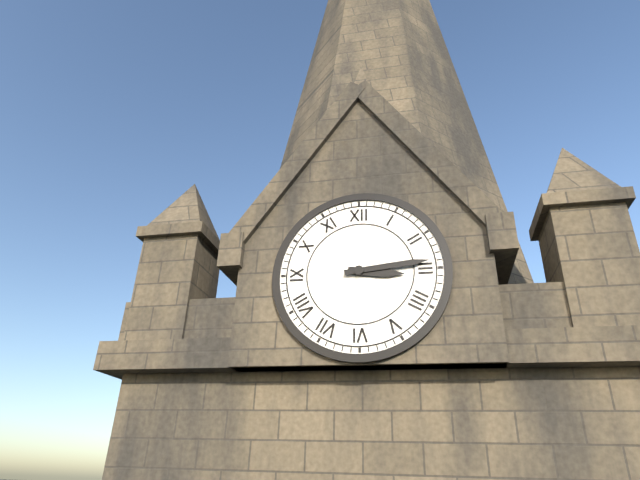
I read {"hour": 3, "minute": 14}
